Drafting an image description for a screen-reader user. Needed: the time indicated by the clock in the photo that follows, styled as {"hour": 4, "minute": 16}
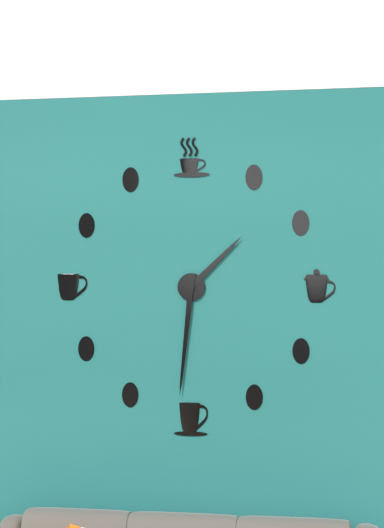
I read {"hour": 1, "minute": 31}
